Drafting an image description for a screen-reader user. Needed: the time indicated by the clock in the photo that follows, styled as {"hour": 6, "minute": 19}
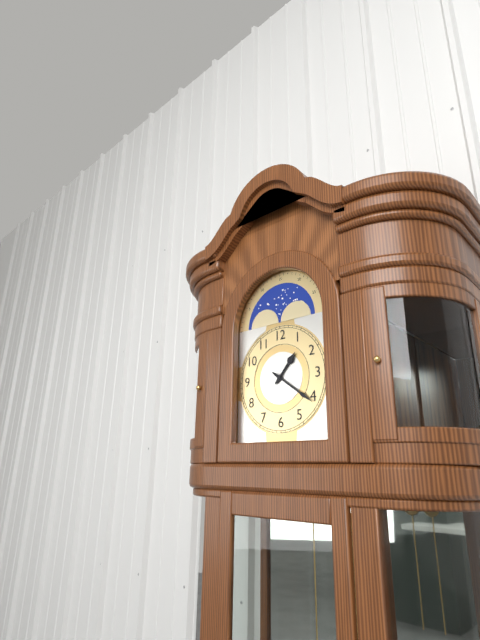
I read {"hour": 1, "minute": 21}
